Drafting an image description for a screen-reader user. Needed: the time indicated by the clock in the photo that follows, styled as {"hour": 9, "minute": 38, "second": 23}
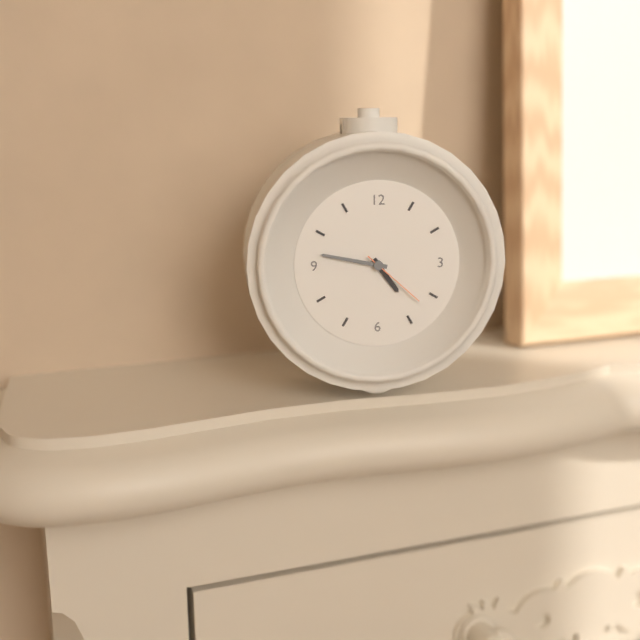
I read {"hour": 4, "minute": 47, "second": 22}
